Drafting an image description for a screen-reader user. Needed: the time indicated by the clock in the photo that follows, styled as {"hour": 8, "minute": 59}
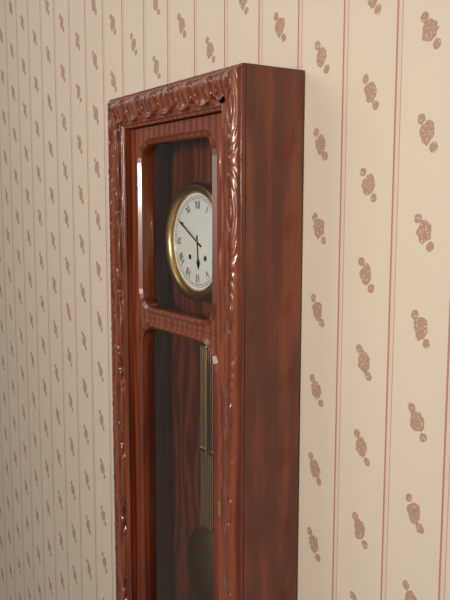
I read {"hour": 5, "minute": 50}
